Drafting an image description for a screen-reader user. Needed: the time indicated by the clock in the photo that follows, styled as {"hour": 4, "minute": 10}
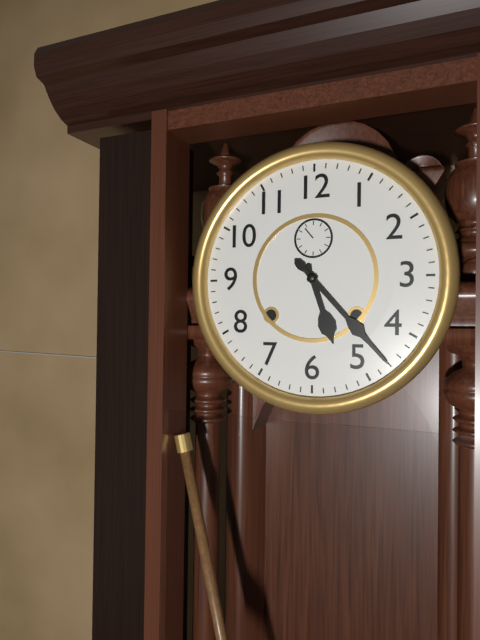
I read {"hour": 5, "minute": 23}
